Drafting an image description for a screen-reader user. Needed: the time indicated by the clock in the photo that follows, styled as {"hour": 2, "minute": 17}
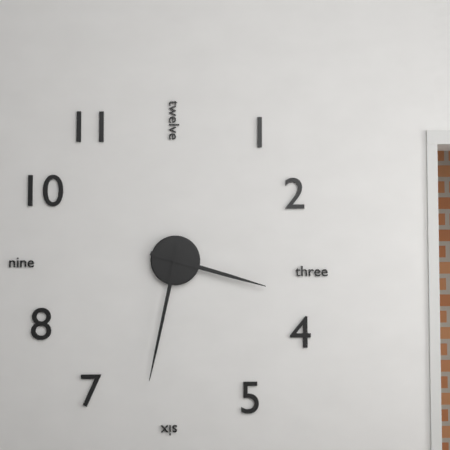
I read {"hour": 3, "minute": 32}
